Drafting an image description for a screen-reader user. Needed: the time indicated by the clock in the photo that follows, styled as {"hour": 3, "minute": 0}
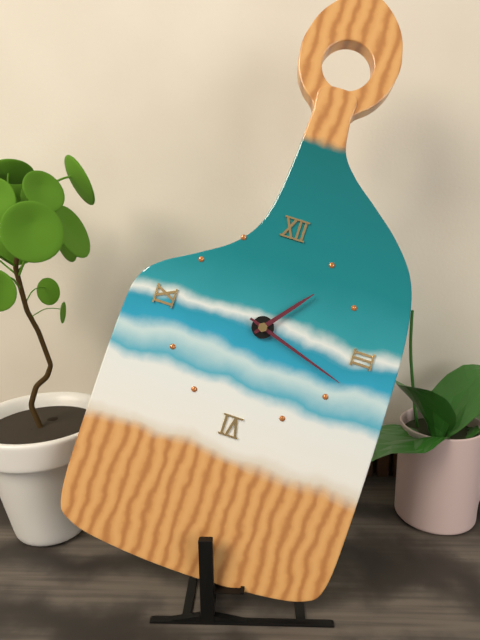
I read {"hour": 1, "minute": 18}
